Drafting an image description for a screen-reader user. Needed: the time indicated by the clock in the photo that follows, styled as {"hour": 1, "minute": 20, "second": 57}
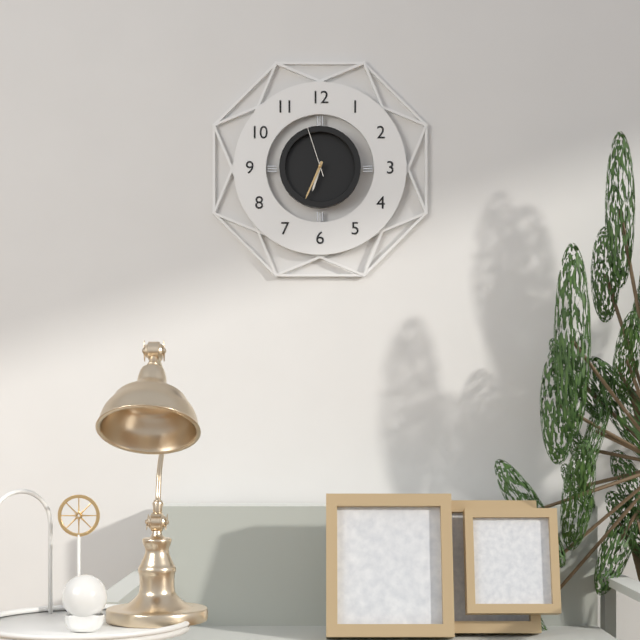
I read {"hour": 6, "minute": 34, "second": 57}
